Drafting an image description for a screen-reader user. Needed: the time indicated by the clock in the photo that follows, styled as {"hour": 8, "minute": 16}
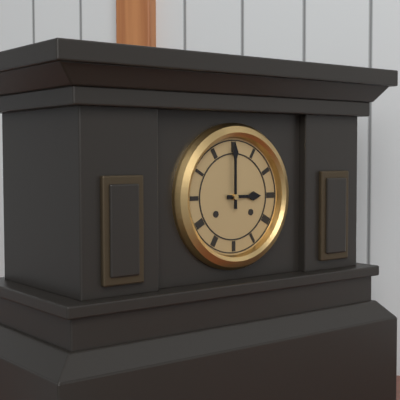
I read {"hour": 3, "minute": 0}
